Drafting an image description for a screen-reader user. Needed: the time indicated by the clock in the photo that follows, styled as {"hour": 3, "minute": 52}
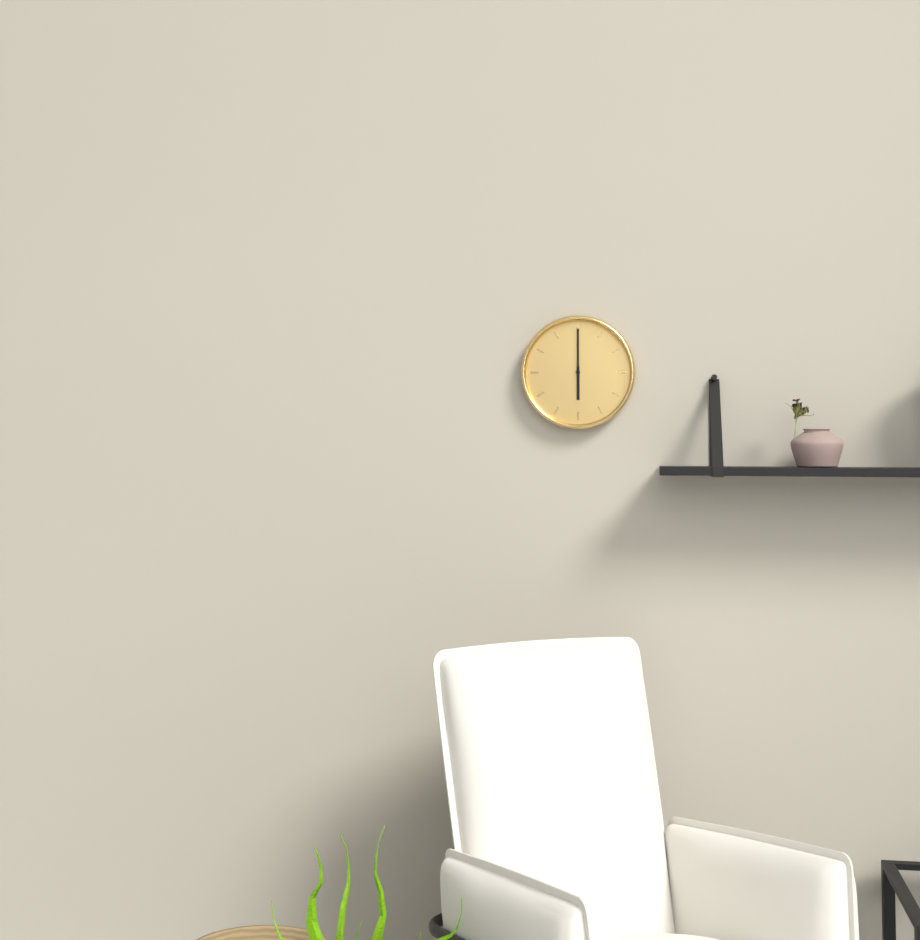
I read {"hour": 6, "minute": 0}
